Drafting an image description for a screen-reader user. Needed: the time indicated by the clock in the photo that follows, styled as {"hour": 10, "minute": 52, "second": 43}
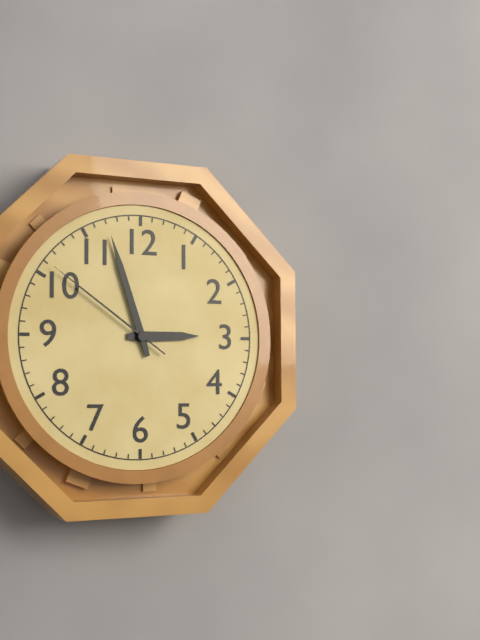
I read {"hour": 2, "minute": 57, "second": 51}
